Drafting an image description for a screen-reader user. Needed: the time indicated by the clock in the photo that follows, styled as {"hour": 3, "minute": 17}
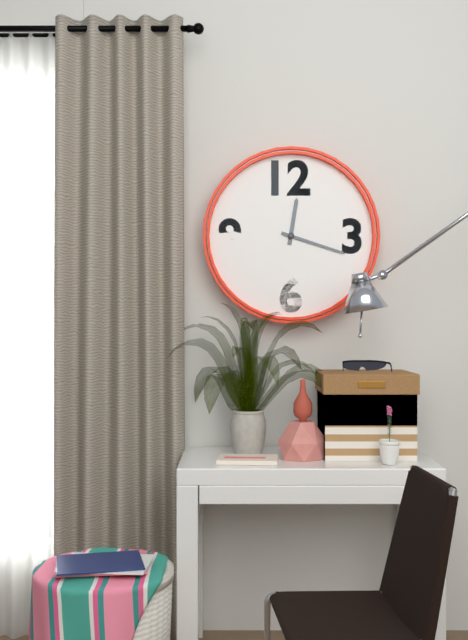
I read {"hour": 12, "minute": 18}
